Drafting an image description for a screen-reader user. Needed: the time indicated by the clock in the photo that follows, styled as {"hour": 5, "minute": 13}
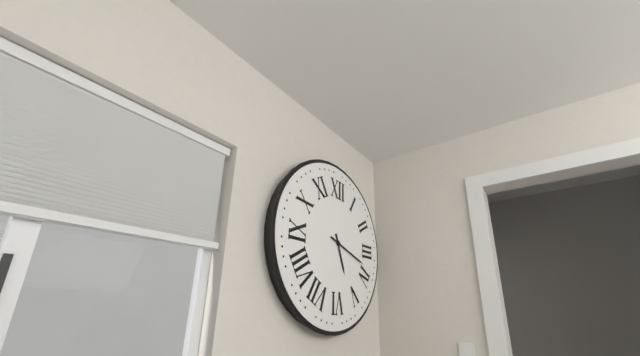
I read {"hour": 5, "minute": 18}
